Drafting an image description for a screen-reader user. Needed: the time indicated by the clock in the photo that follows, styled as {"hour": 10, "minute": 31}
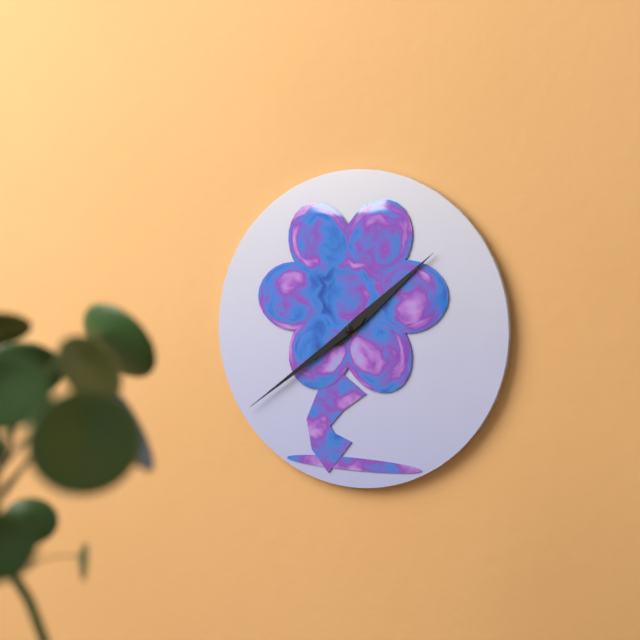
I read {"hour": 1, "minute": 39}
